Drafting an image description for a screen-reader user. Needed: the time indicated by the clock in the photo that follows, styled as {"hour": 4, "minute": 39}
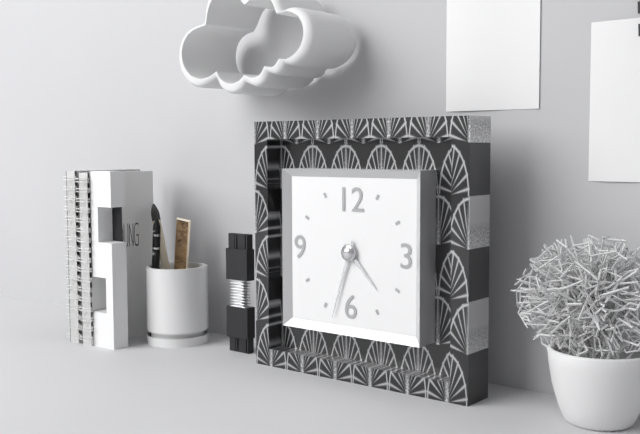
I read {"hour": 4, "minute": 33}
